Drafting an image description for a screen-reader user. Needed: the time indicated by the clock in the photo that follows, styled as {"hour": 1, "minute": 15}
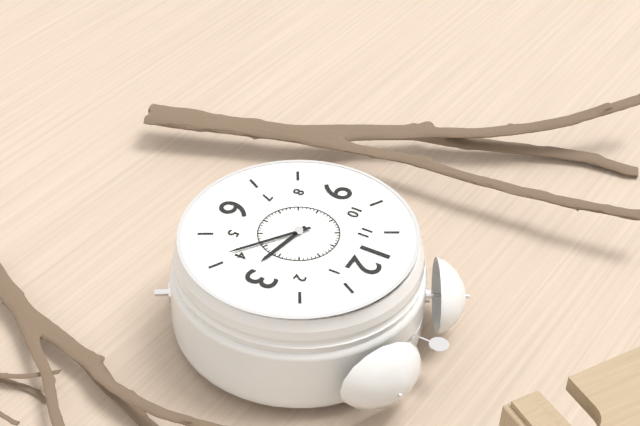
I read {"hour": 3, "minute": 21}
